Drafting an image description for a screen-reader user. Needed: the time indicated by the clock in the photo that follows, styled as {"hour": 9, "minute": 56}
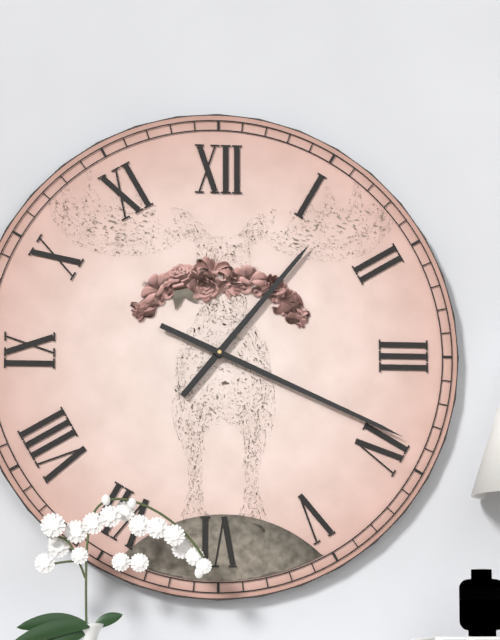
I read {"hour": 1, "minute": 19}
